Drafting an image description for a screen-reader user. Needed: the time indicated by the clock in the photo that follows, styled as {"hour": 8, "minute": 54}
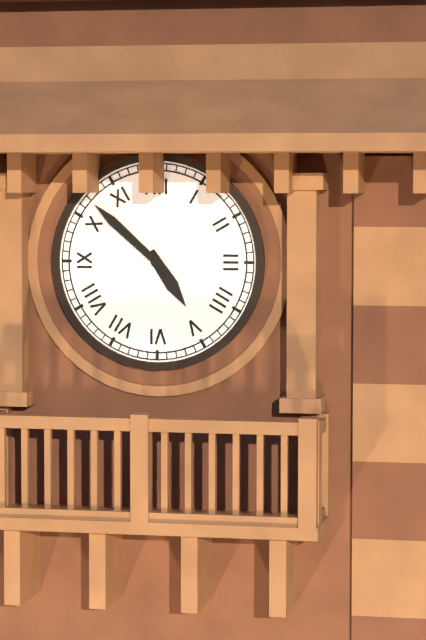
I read {"hour": 4, "minute": 52}
